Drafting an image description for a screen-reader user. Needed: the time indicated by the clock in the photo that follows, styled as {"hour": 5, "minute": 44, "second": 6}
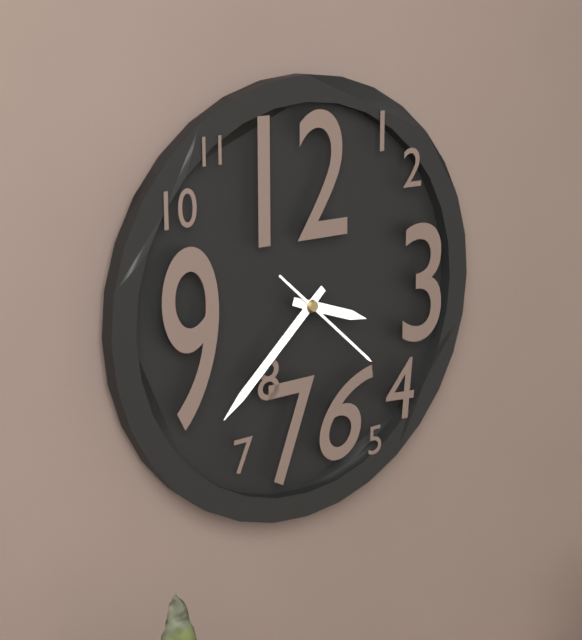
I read {"hour": 3, "minute": 38, "second": 22}
